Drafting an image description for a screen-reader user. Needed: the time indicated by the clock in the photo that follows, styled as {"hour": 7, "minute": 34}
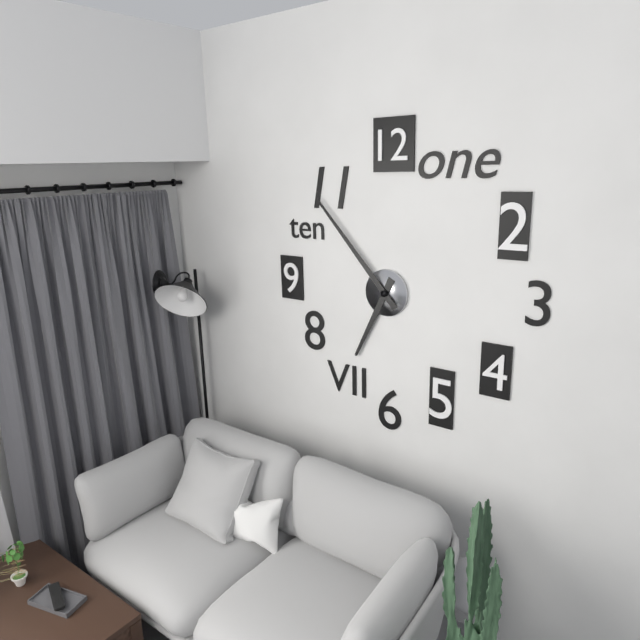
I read {"hour": 6, "minute": 53}
